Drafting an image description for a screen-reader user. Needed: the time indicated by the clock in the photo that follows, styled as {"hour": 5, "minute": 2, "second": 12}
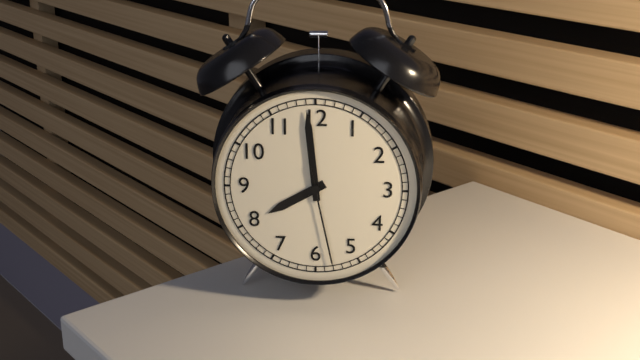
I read {"hour": 7, "minute": 59, "second": 28}
